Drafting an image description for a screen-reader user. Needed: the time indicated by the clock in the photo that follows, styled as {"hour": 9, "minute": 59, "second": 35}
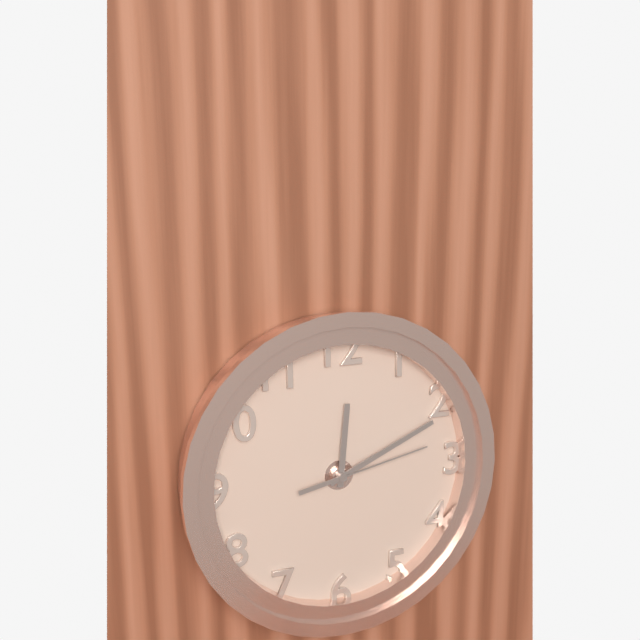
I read {"hour": 12, "minute": 11, "second": 13}
